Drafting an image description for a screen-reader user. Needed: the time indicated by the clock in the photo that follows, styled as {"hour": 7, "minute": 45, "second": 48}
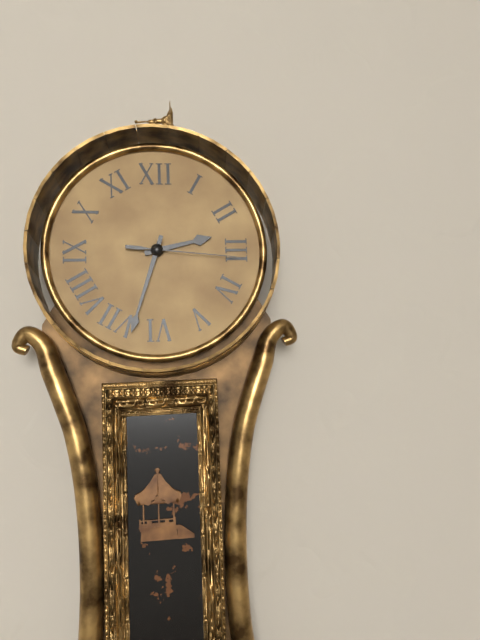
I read {"hour": 2, "minute": 33, "second": 16}
